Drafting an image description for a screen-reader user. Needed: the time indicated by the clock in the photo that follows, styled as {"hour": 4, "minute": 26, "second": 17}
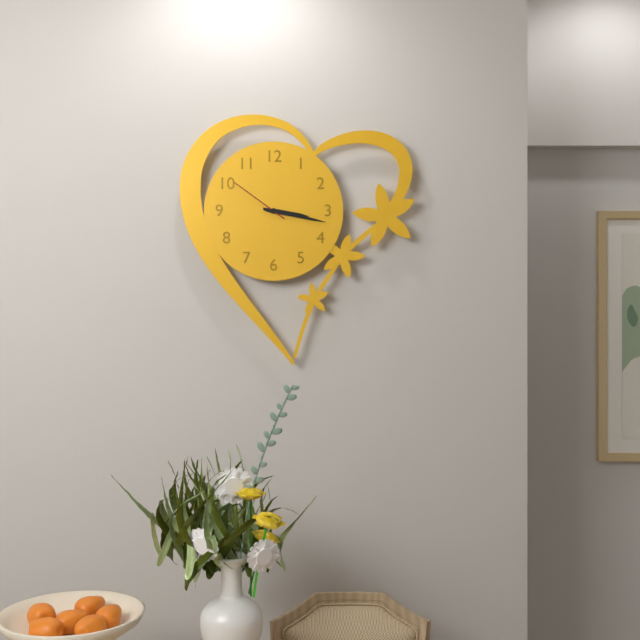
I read {"hour": 3, "minute": 17, "second": 51}
